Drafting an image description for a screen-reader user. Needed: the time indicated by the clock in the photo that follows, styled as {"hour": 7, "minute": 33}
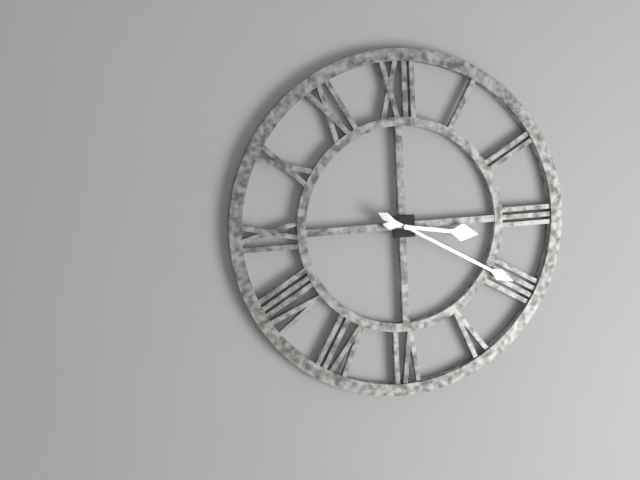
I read {"hour": 3, "minute": 20}
